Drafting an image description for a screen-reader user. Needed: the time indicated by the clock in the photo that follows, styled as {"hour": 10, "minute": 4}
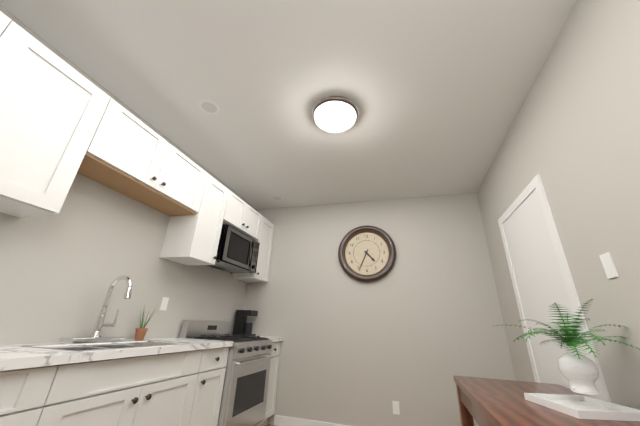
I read {"hour": 4, "minute": 34}
